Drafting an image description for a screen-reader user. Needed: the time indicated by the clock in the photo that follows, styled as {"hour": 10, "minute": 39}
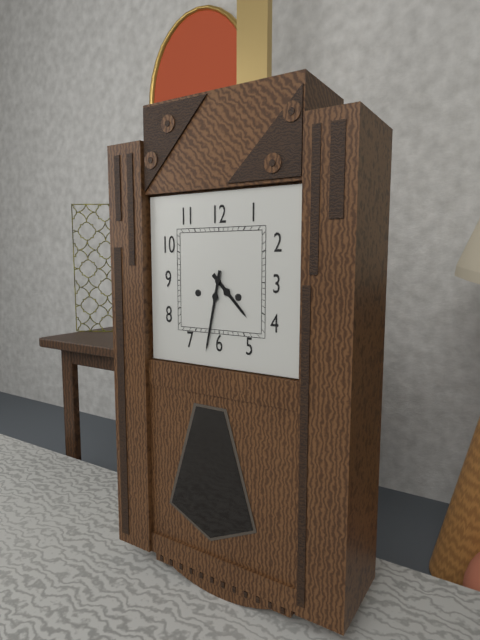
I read {"hour": 4, "minute": 32}
